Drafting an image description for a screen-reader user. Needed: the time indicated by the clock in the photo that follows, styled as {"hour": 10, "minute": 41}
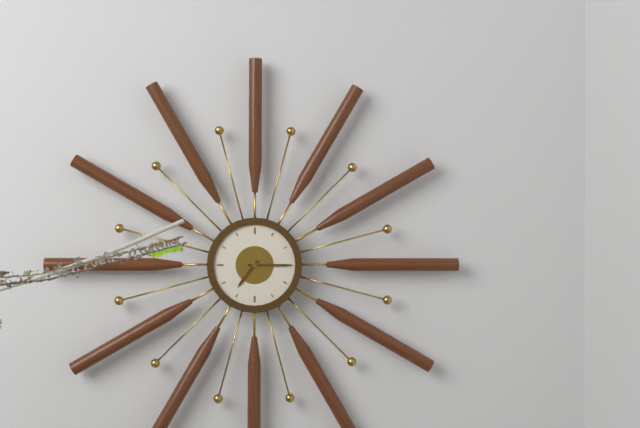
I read {"hour": 7, "minute": 15}
